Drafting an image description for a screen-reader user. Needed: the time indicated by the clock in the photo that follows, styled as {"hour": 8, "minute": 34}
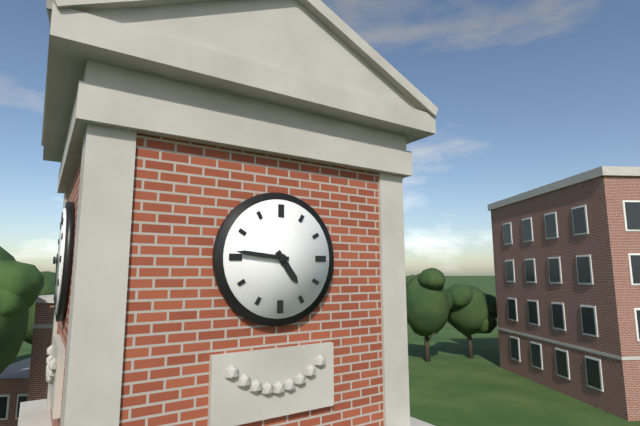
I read {"hour": 4, "minute": 46}
